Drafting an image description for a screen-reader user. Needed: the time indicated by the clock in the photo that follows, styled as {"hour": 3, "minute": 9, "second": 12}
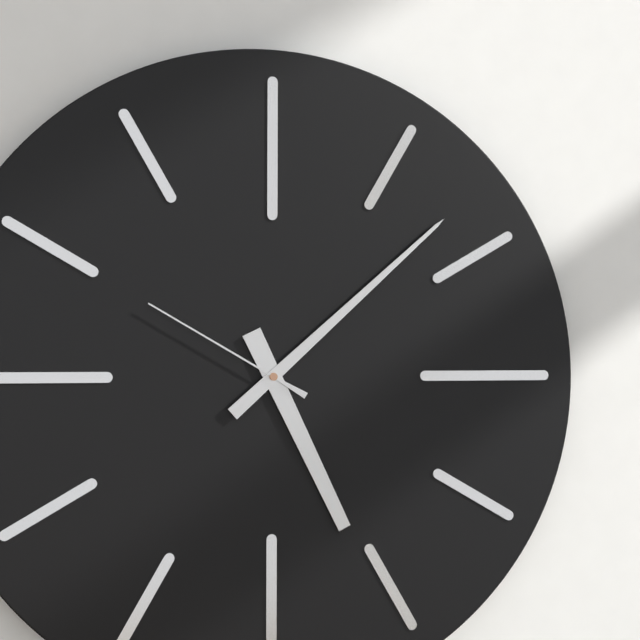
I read {"hour": 5, "minute": 8, "second": 50}
